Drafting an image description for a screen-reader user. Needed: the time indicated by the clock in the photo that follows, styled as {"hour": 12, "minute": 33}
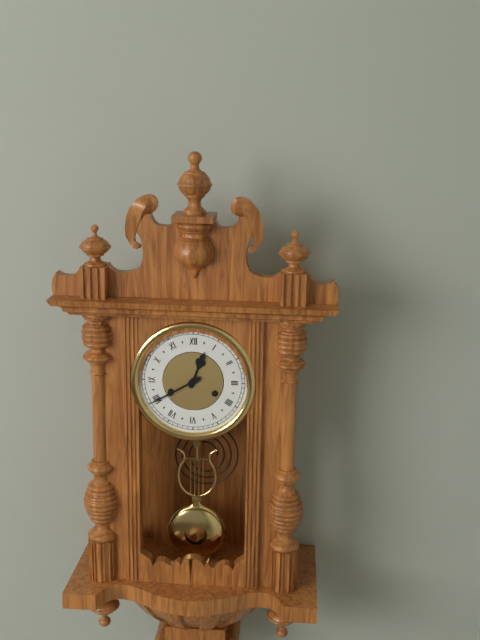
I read {"hour": 12, "minute": 40}
